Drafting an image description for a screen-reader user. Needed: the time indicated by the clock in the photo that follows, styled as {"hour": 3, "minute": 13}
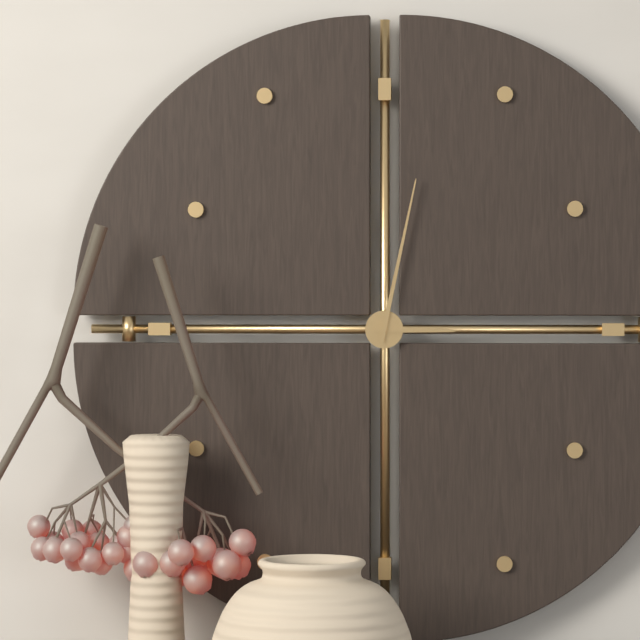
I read {"hour": 3, "minute": 2}
